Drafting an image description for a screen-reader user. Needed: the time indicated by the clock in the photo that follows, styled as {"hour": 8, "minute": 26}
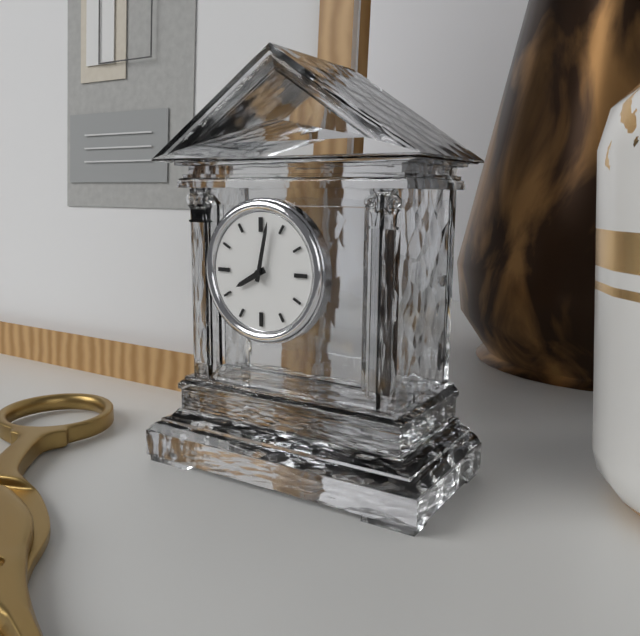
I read {"hour": 8, "minute": 2}
